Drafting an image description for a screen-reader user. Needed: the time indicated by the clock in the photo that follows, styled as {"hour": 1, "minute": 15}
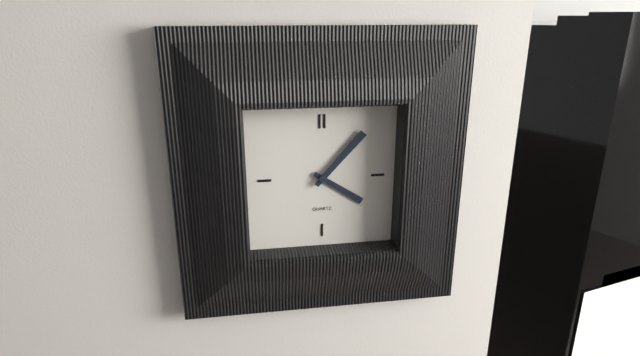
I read {"hour": 4, "minute": 7}
